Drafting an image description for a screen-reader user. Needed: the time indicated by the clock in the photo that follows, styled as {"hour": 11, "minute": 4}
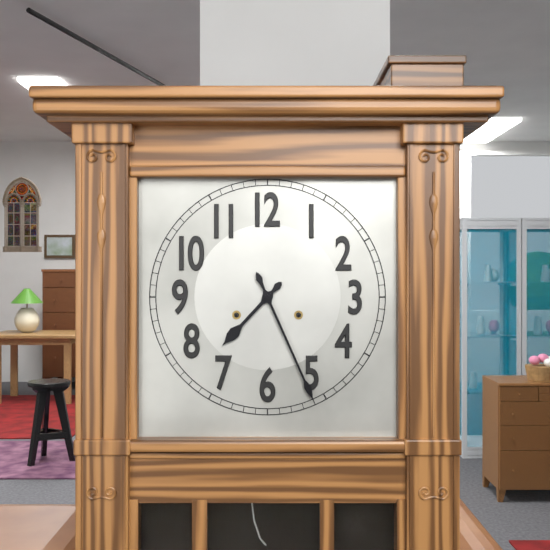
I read {"hour": 7, "minute": 26}
